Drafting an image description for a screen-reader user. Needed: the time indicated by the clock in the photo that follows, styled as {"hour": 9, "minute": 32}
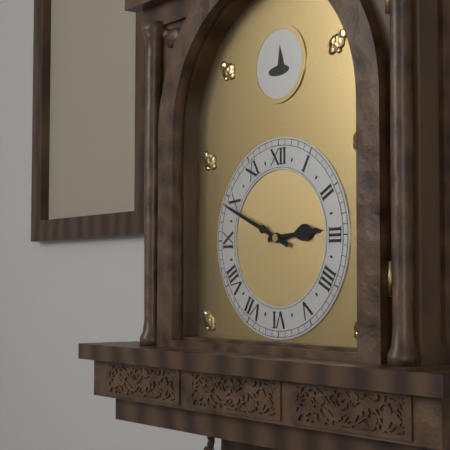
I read {"hour": 2, "minute": 49}
